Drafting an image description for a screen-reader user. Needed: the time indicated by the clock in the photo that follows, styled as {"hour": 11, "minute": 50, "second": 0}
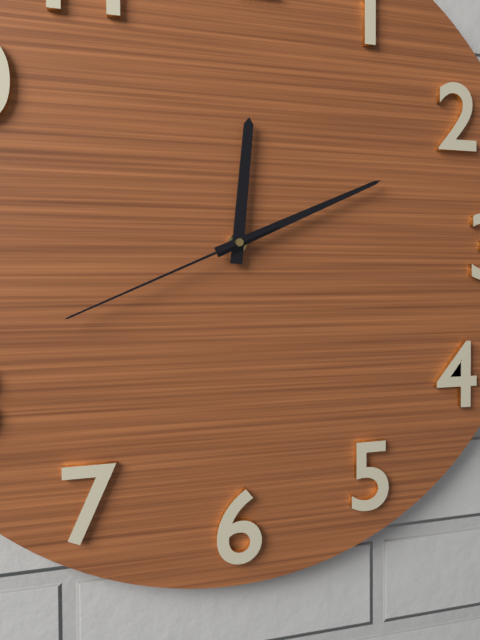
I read {"hour": 12, "minute": 11, "second": 41}
